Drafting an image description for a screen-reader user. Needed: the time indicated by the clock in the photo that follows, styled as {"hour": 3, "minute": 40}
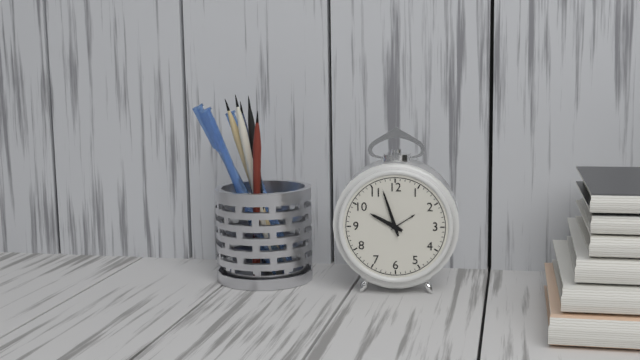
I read {"hour": 9, "minute": 57}
